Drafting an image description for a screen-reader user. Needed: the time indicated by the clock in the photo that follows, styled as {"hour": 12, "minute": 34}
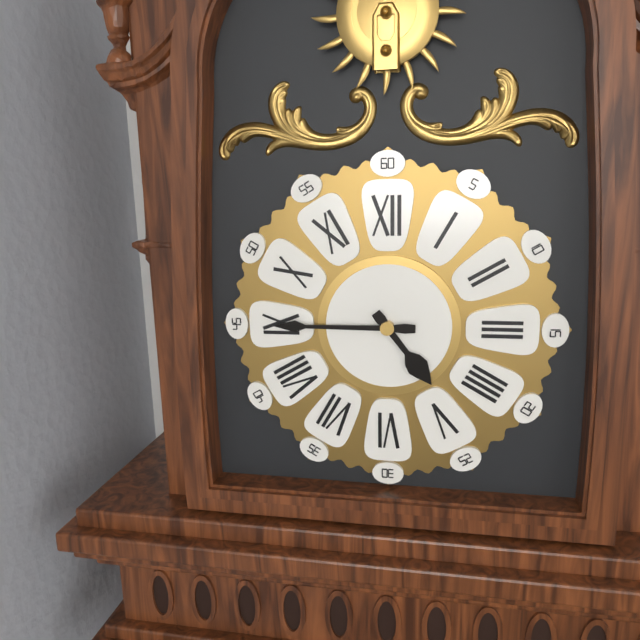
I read {"hour": 4, "minute": 45}
